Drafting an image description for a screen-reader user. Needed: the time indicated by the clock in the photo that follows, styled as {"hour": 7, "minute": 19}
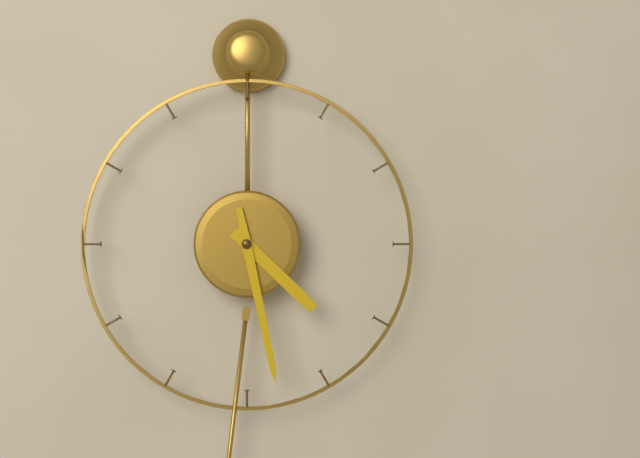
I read {"hour": 4, "minute": 28}
